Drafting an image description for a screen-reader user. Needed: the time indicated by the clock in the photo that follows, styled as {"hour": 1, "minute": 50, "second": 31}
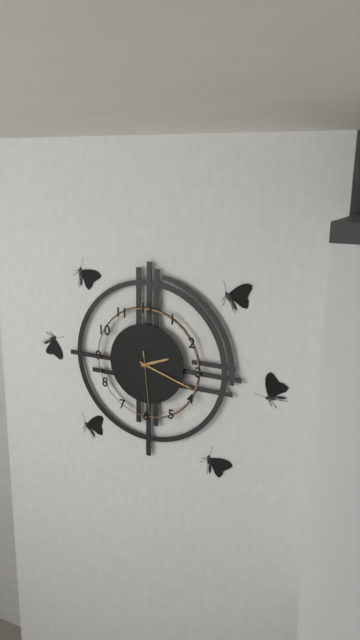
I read {"hour": 2, "minute": 18, "second": 29}
